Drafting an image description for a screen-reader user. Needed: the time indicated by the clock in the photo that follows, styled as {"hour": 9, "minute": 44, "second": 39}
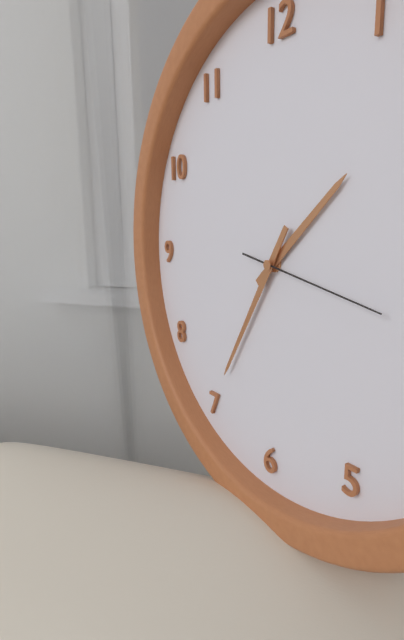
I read {"hour": 1, "minute": 35, "second": 17}
